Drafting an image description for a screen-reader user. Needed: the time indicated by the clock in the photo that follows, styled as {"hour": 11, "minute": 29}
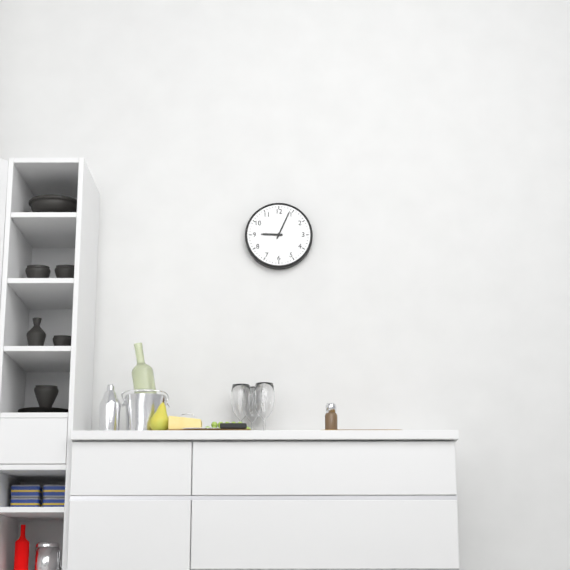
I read {"hour": 9, "minute": 4}
